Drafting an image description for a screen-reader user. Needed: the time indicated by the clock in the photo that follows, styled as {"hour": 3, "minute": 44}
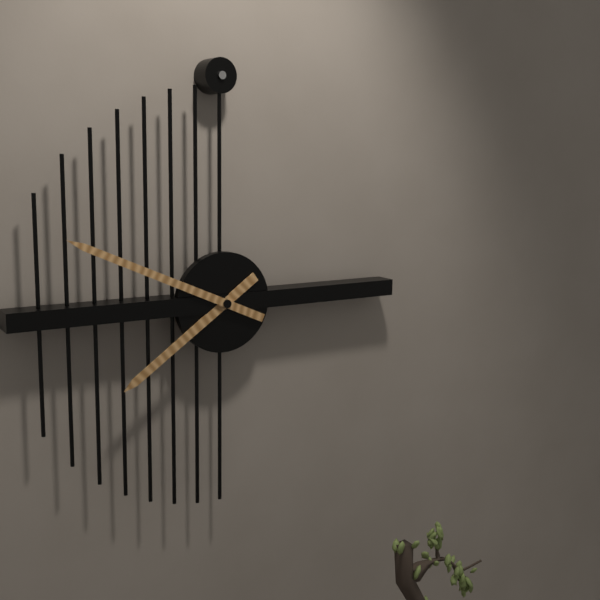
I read {"hour": 7, "minute": 49}
